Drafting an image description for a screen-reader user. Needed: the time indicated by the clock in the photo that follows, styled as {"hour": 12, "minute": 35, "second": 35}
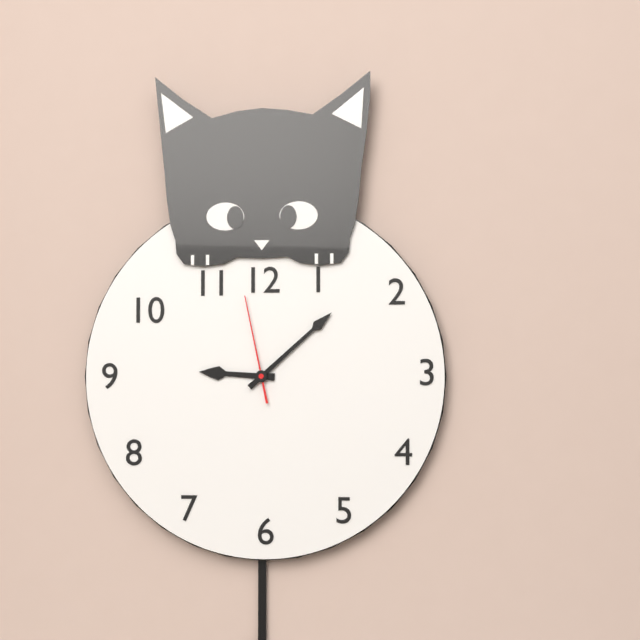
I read {"hour": 9, "minute": 8, "second": 58}
